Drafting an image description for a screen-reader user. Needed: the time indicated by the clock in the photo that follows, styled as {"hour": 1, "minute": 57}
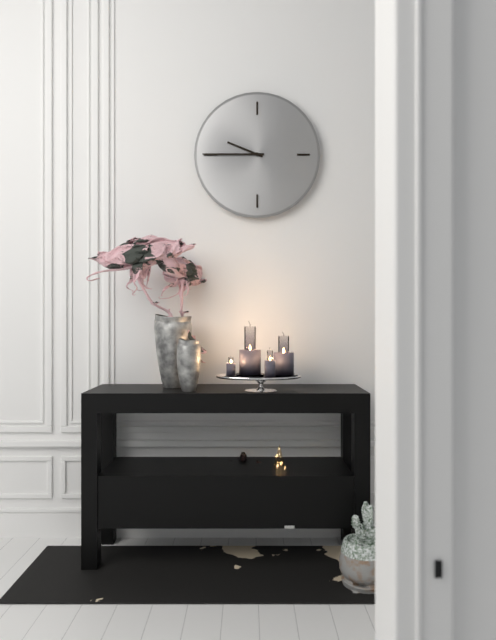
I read {"hour": 9, "minute": 45}
